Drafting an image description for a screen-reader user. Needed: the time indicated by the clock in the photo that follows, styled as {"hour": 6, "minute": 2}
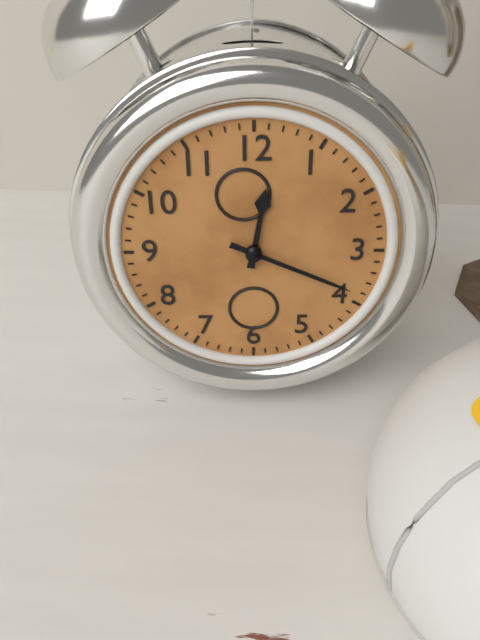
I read {"hour": 12, "minute": 19}
